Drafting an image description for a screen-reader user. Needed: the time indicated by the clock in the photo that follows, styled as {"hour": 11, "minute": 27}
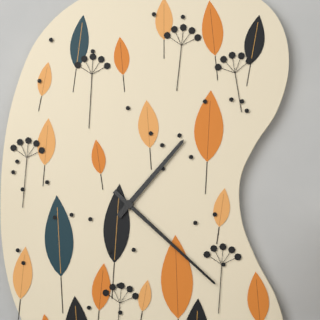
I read {"hour": 1, "minute": 22}
